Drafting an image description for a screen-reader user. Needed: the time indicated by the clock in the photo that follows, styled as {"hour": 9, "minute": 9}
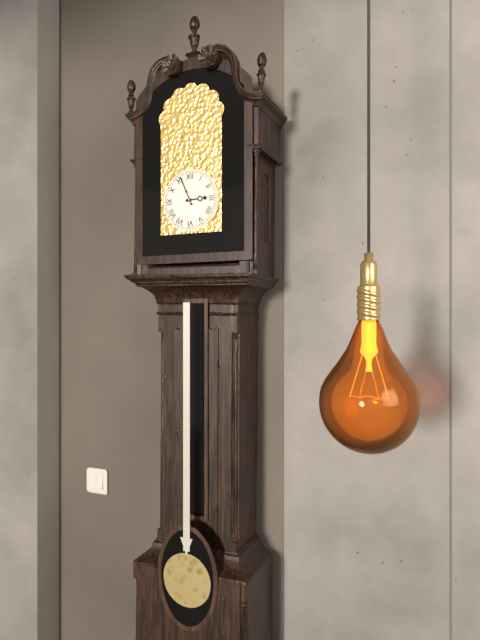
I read {"hour": 2, "minute": 56}
